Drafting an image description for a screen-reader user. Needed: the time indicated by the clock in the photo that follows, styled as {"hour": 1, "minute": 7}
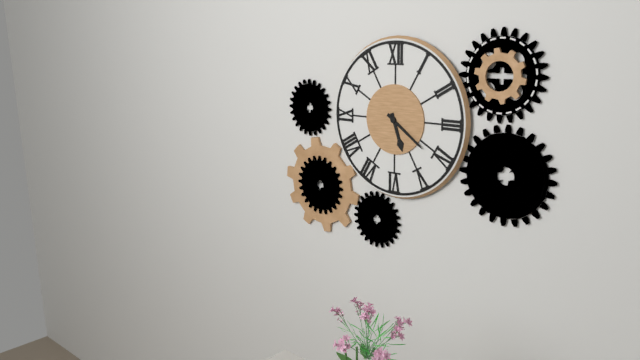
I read {"hour": 5, "minute": 21}
